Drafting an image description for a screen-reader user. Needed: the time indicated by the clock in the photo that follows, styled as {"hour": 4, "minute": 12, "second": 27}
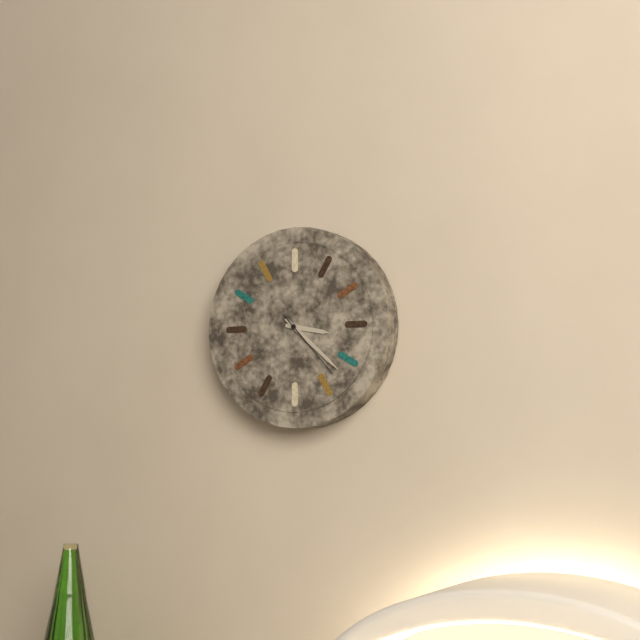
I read {"hour": 3, "minute": 22, "second": 23}
